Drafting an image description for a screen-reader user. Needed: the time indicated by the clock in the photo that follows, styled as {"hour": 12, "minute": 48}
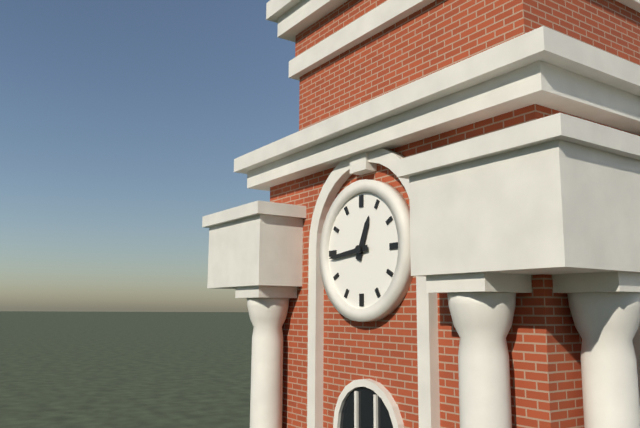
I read {"hour": 12, "minute": 44}
